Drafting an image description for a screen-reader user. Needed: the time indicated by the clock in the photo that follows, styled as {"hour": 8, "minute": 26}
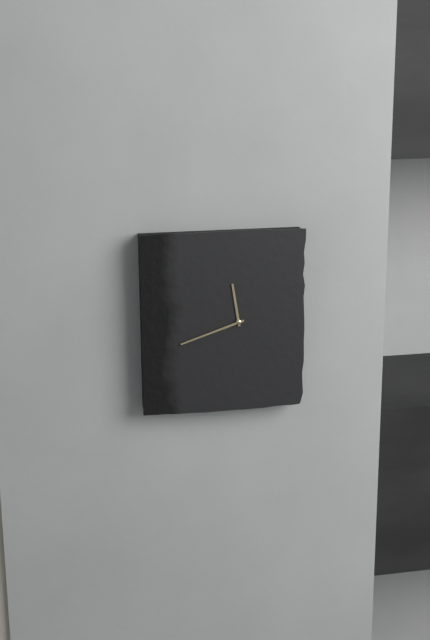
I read {"hour": 11, "minute": 42}
